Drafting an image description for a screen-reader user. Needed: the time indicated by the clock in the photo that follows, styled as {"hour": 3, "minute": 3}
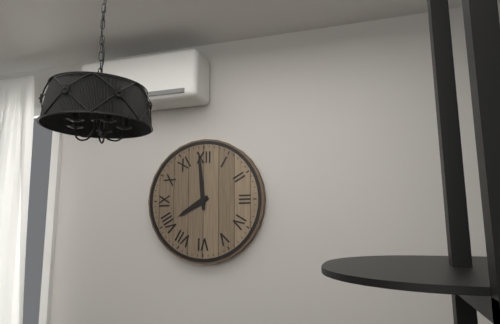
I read {"hour": 7, "minute": 59}
